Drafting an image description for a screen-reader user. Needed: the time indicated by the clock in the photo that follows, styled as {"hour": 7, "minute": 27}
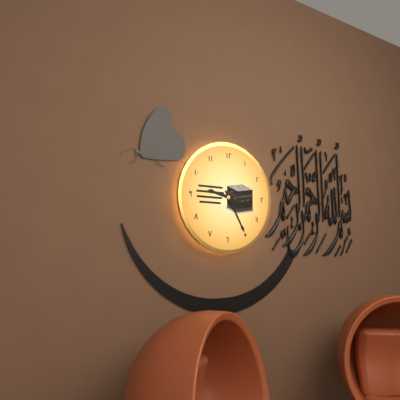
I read {"hour": 9, "minute": 25}
